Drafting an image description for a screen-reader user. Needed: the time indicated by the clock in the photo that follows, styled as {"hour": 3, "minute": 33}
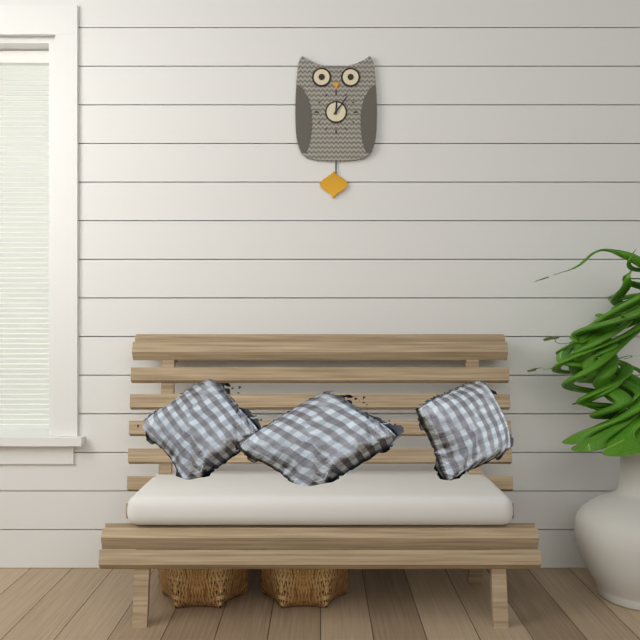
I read {"hour": 12, "minute": 6}
